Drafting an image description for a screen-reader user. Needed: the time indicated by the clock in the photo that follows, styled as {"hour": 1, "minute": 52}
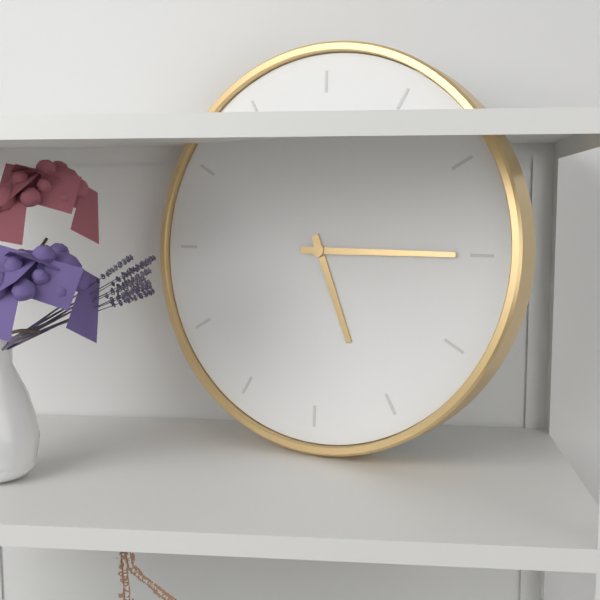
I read {"hour": 5, "minute": 15}
